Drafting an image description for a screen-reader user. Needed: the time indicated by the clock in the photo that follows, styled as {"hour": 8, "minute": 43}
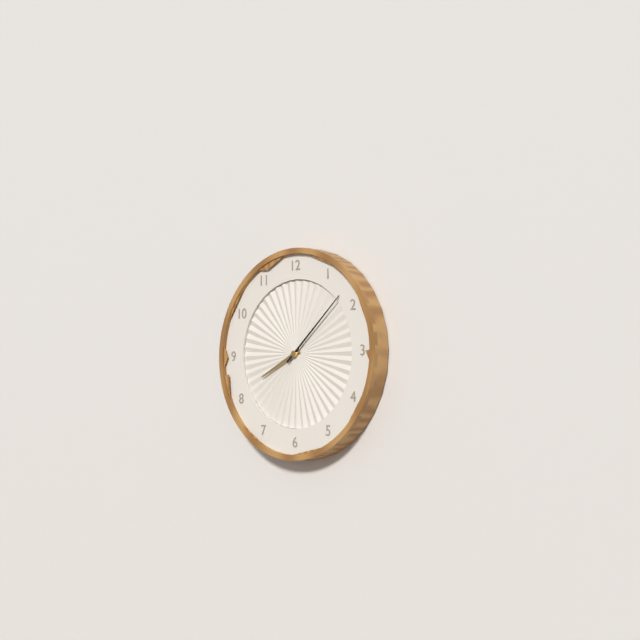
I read {"hour": 8, "minute": 8}
